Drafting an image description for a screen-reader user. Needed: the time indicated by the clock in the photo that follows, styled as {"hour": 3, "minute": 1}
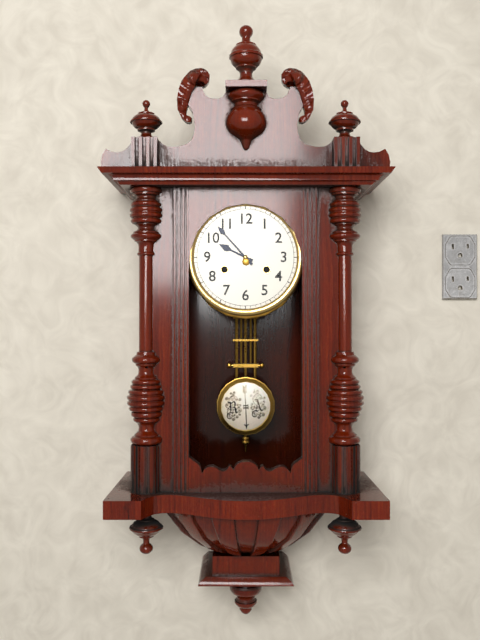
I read {"hour": 9, "minute": 53}
